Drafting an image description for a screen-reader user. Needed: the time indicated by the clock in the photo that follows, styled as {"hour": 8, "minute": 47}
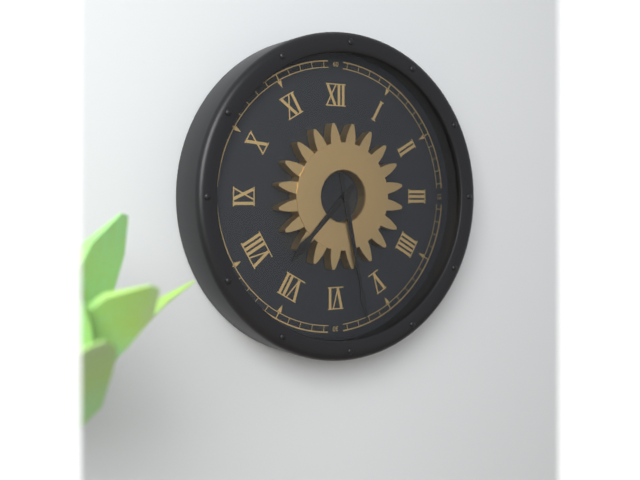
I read {"hour": 7, "minute": 28}
